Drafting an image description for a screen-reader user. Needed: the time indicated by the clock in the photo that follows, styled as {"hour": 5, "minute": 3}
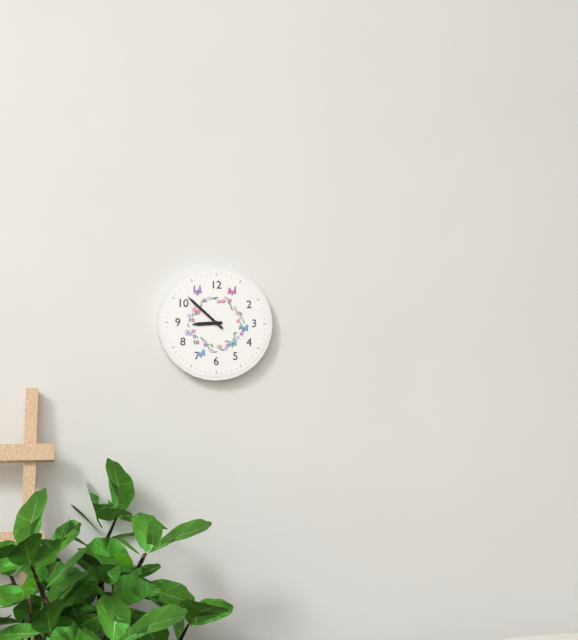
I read {"hour": 8, "minute": 52}
